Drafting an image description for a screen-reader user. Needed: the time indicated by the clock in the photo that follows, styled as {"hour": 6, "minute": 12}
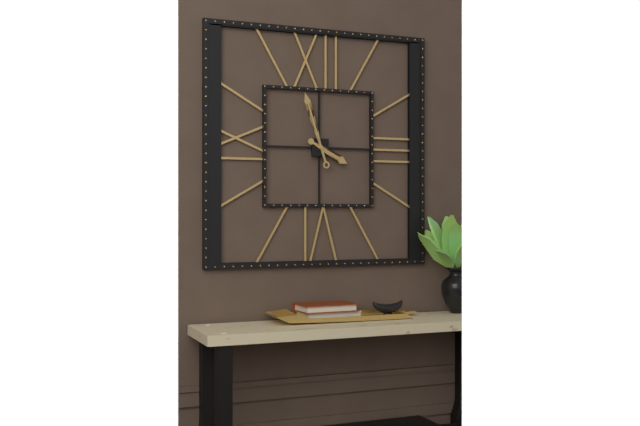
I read {"hour": 3, "minute": 57}
